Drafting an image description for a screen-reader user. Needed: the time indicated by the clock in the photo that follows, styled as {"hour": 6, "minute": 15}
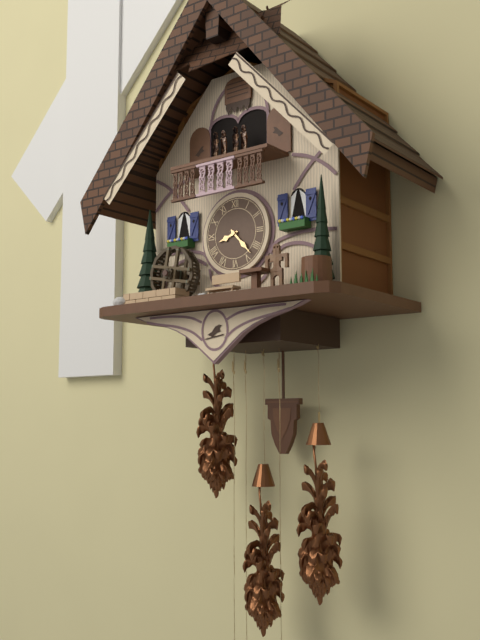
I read {"hour": 8, "minute": 23}
